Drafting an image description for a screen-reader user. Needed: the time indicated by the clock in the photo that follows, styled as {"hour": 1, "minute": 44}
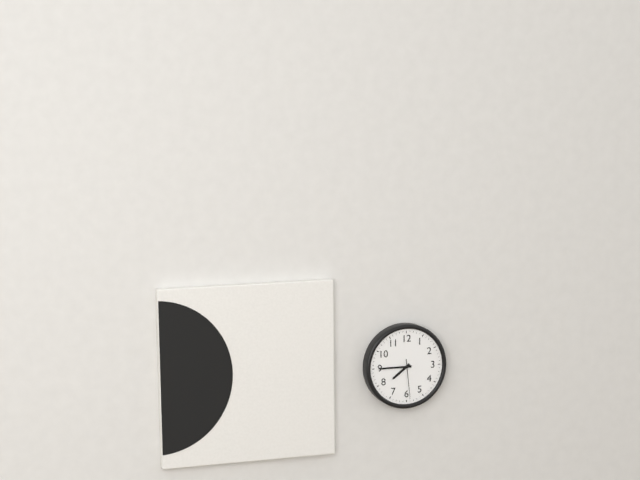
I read {"hour": 7, "minute": 45}
